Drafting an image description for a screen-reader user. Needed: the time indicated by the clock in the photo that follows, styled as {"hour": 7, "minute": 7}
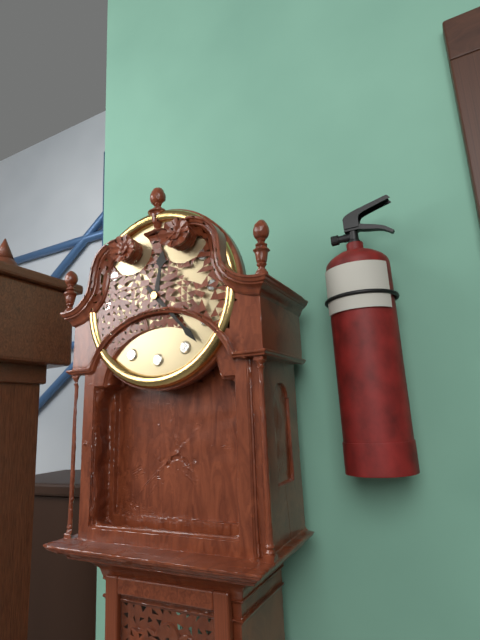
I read {"hour": 12, "minute": 23}
